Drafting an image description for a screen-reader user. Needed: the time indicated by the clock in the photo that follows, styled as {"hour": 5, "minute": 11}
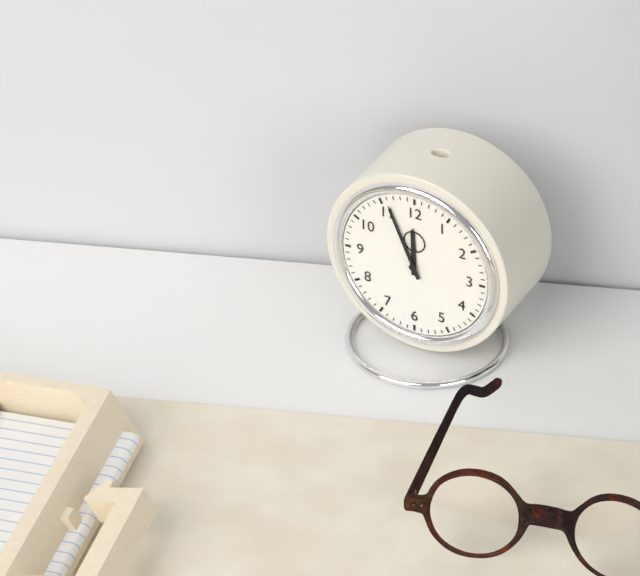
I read {"hour": 11, "minute": 56}
